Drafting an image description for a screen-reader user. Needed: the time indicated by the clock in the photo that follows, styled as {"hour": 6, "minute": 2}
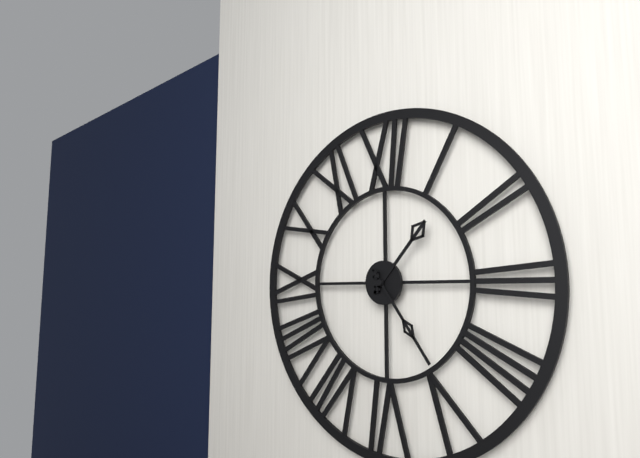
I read {"hour": 1, "minute": 24}
